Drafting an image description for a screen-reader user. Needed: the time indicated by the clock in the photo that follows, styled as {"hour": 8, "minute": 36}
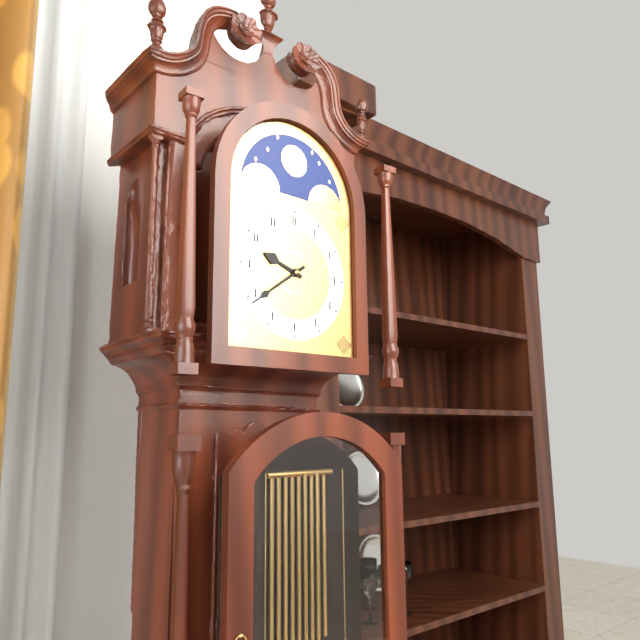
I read {"hour": 9, "minute": 39}
